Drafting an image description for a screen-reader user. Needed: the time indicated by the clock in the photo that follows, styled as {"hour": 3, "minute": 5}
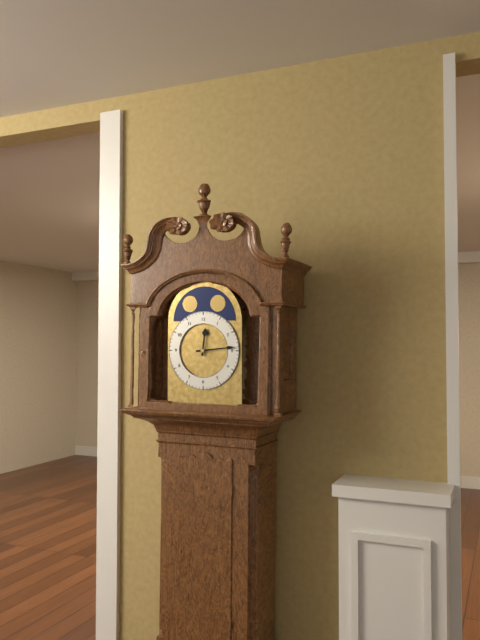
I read {"hour": 12, "minute": 14}
